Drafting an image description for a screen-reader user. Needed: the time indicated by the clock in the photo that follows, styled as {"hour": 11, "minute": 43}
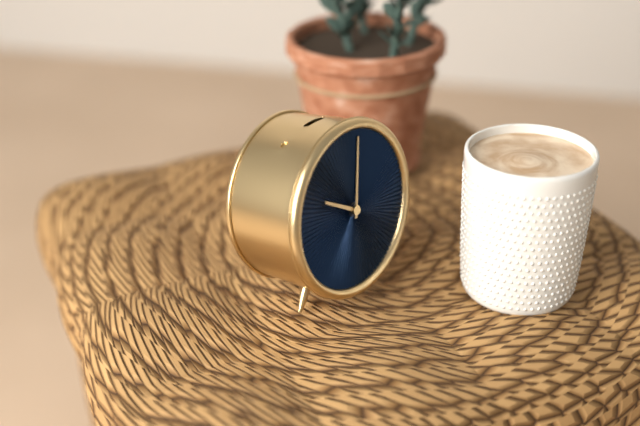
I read {"hour": 10, "minute": 2}
